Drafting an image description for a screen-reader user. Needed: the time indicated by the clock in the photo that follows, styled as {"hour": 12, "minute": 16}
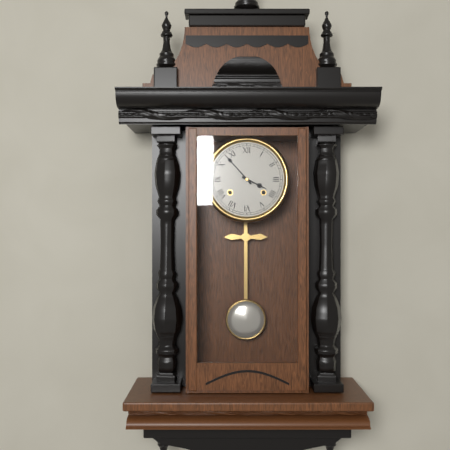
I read {"hour": 3, "minute": 53}
